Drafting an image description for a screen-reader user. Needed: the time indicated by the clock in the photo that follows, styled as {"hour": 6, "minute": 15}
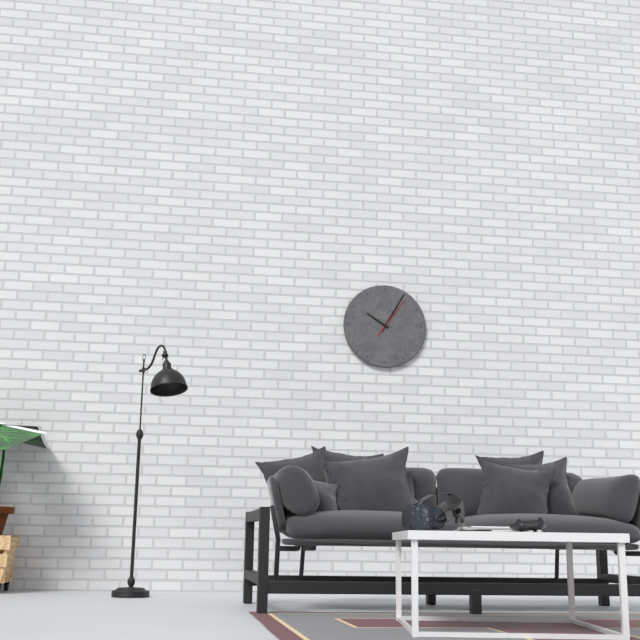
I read {"hour": 10, "minute": 5}
